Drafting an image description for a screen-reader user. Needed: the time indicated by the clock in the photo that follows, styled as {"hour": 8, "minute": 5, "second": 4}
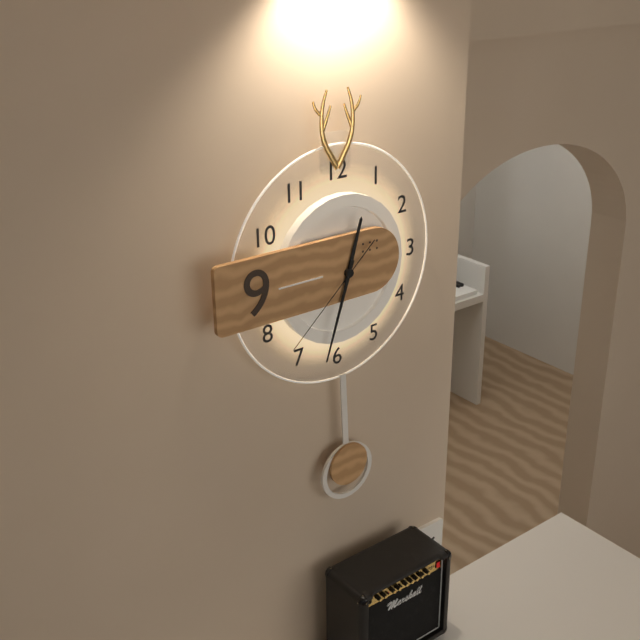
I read {"hour": 12, "minute": 33, "second": 38}
